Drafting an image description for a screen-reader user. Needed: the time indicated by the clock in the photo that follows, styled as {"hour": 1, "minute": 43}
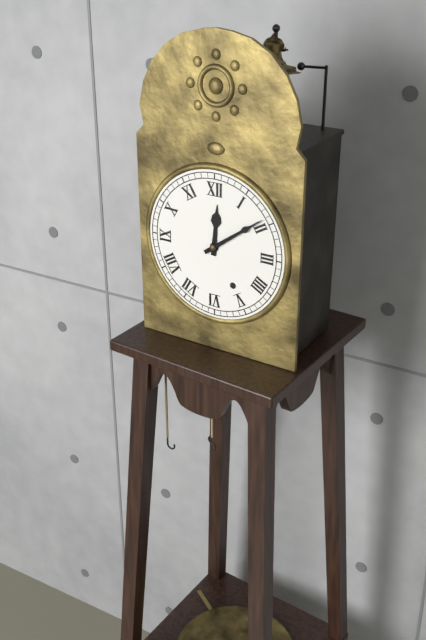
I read {"hour": 12, "minute": 9}
